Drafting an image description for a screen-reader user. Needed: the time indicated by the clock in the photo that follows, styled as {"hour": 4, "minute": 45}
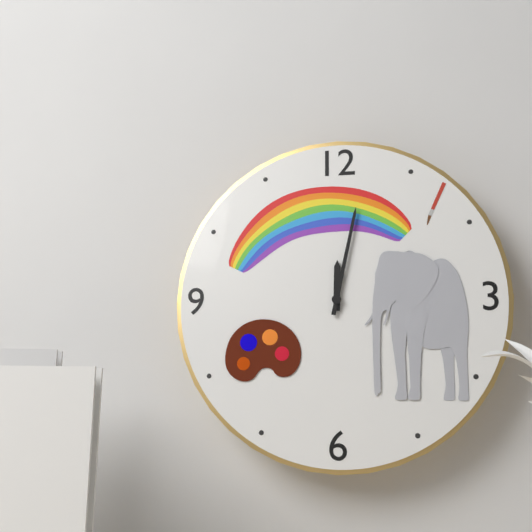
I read {"hour": 12, "minute": 2}
